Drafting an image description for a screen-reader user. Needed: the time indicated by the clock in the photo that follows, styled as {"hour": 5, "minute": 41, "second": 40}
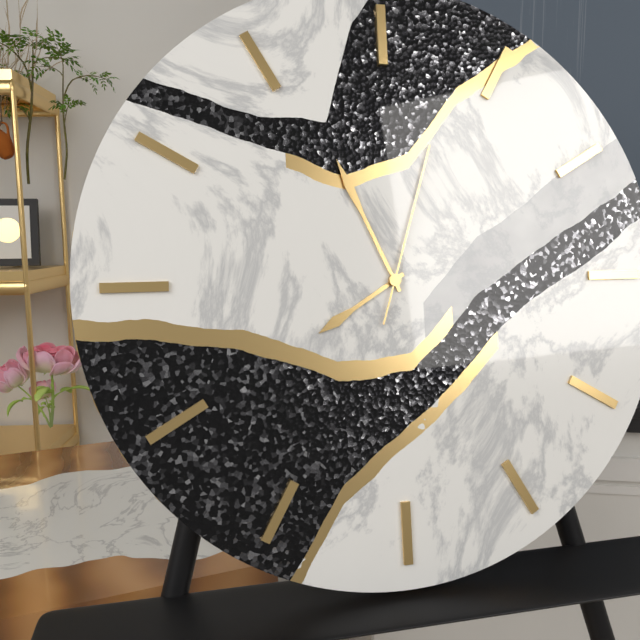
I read {"hour": 7, "minute": 56, "second": 3}
